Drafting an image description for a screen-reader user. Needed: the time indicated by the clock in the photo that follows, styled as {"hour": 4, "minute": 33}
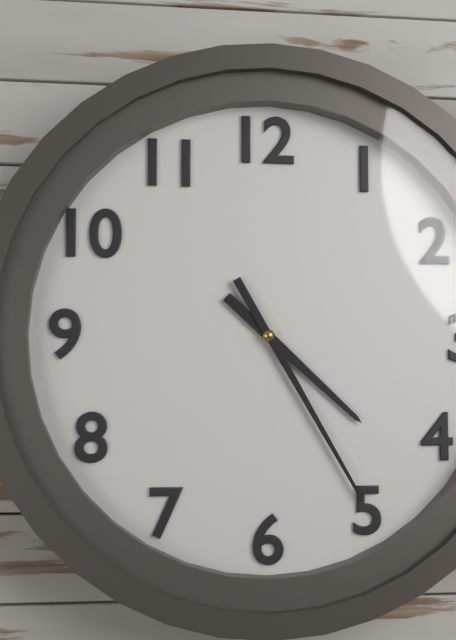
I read {"hour": 4, "minute": 25}
